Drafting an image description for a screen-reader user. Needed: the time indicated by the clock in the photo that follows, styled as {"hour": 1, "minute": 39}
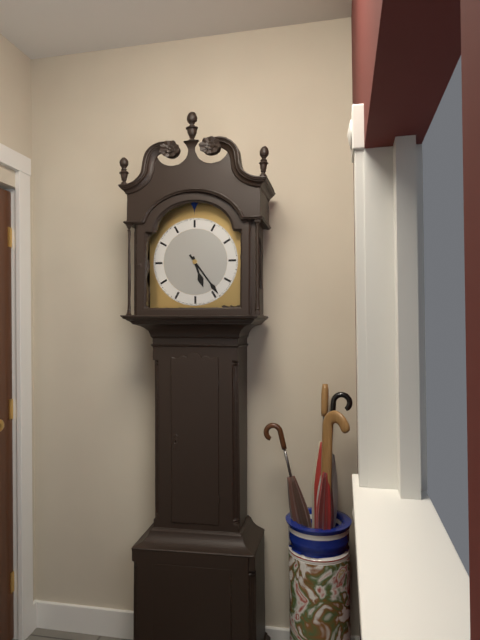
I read {"hour": 5, "minute": 24}
